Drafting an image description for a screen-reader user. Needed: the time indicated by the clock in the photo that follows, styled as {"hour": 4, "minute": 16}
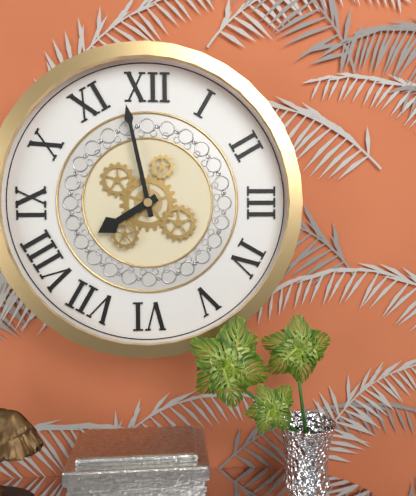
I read {"hour": 7, "minute": 58}
